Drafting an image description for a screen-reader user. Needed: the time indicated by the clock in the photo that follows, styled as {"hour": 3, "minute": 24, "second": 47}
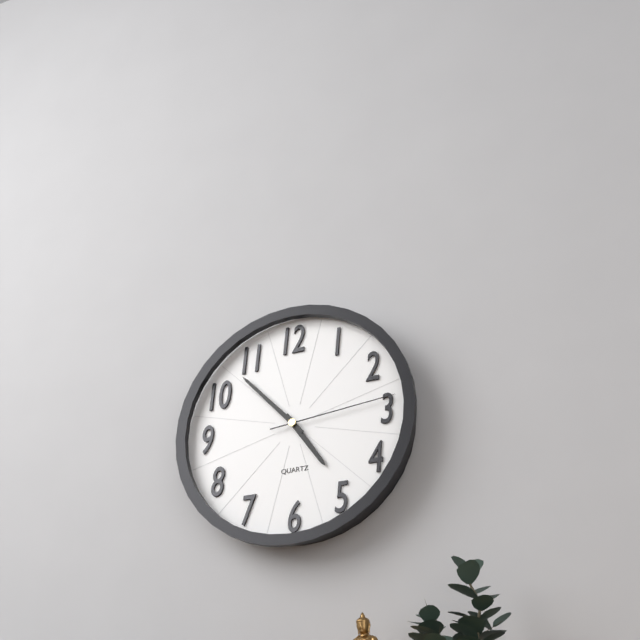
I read {"hour": 4, "minute": 53, "second": 14}
